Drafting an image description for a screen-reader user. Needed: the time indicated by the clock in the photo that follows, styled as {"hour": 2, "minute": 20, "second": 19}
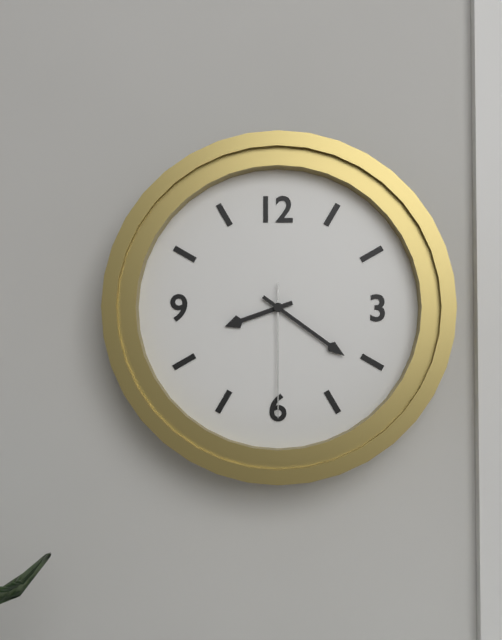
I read {"hour": 8, "minute": 21, "second": 30}
